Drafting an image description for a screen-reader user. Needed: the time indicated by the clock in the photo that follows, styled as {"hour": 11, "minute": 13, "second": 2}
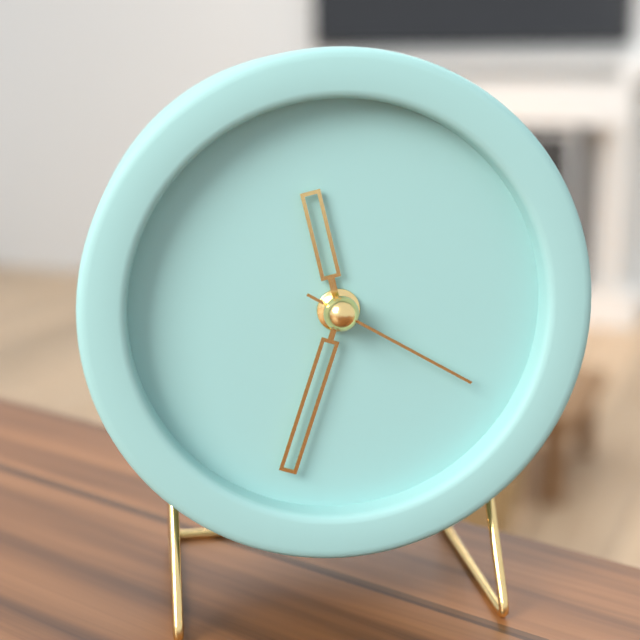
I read {"hour": 11, "minute": 33, "second": 20}
